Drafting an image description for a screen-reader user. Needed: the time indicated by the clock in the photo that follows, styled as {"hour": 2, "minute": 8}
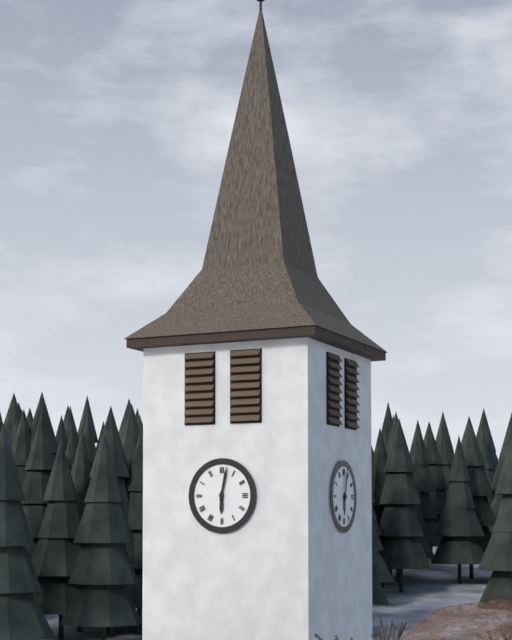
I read {"hour": 6, "minute": 2}
